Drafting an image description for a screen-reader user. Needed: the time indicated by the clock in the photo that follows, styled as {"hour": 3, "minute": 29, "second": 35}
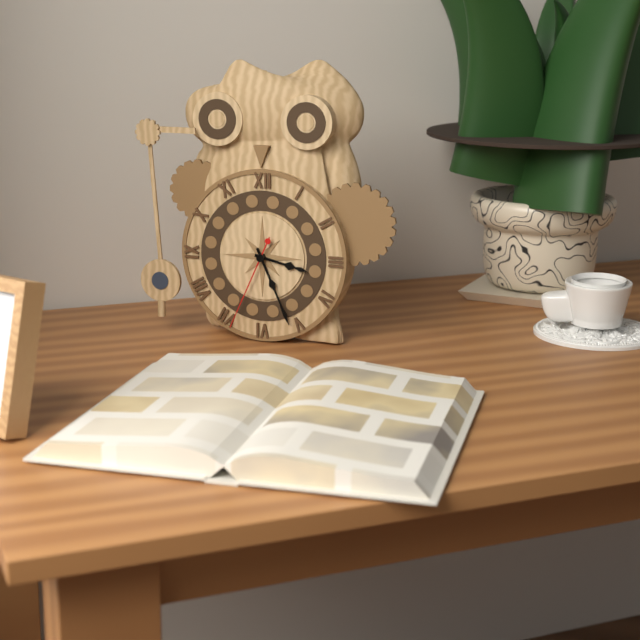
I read {"hour": 3, "minute": 26, "second": 34}
